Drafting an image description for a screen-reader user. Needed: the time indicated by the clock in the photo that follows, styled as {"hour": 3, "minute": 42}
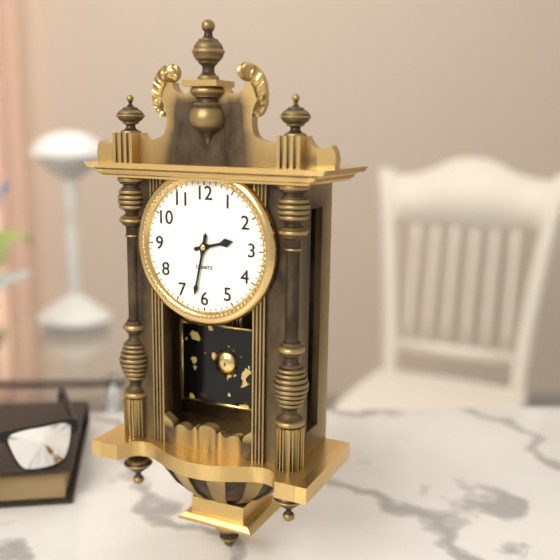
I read {"hour": 2, "minute": 32}
